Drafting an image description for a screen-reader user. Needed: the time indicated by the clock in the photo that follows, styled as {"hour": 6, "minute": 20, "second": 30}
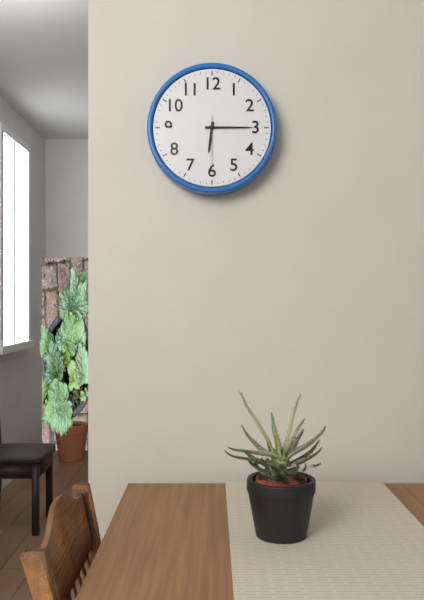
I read {"hour": 6, "minute": 15, "second": 30}
